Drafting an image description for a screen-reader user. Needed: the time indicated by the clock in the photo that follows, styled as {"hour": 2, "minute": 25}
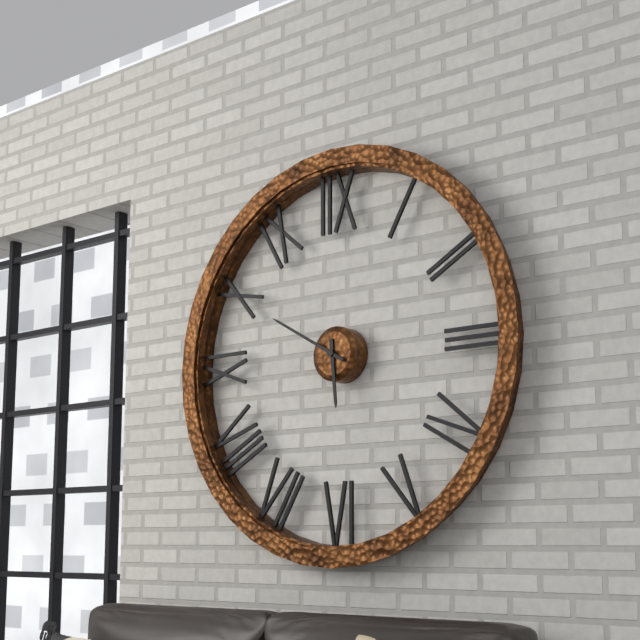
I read {"hour": 5, "minute": 50}
